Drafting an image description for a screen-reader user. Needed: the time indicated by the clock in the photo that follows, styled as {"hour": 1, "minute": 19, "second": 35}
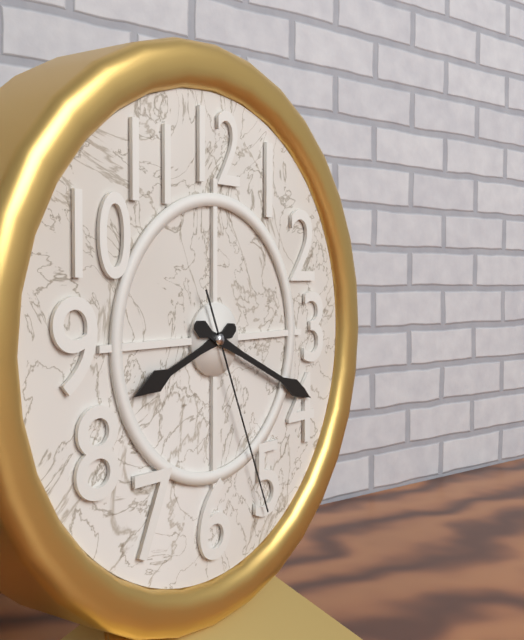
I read {"hour": 8, "minute": 19, "second": 26}
